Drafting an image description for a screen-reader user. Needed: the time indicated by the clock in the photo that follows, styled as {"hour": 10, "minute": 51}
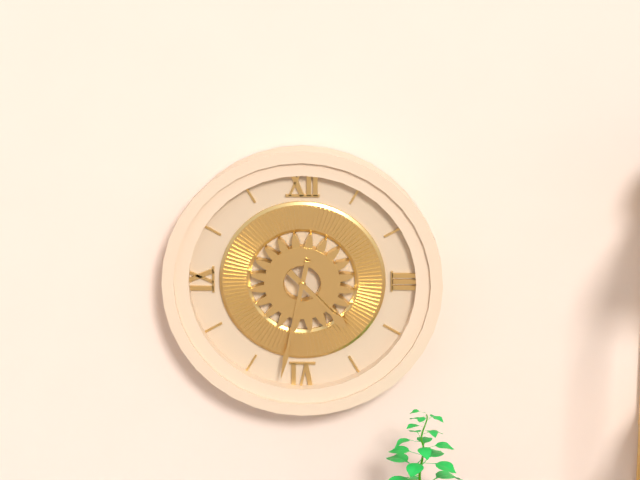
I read {"hour": 4, "minute": 32}
